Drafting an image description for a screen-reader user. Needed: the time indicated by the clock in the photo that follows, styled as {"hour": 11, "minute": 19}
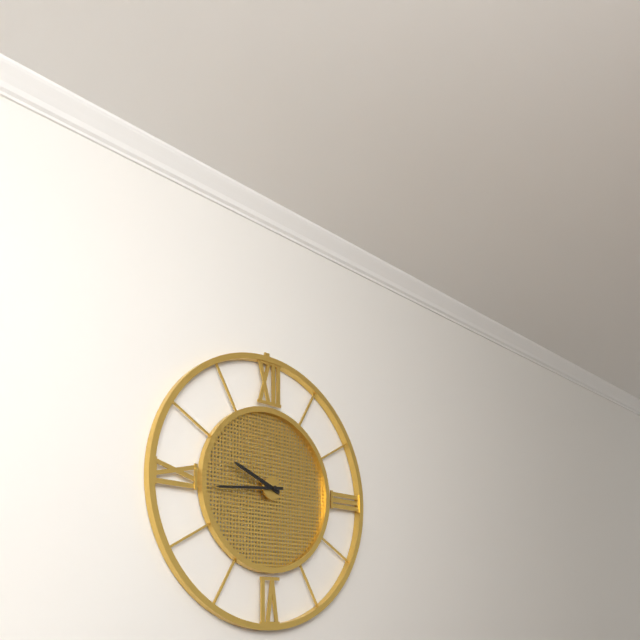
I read {"hour": 9, "minute": 44}
